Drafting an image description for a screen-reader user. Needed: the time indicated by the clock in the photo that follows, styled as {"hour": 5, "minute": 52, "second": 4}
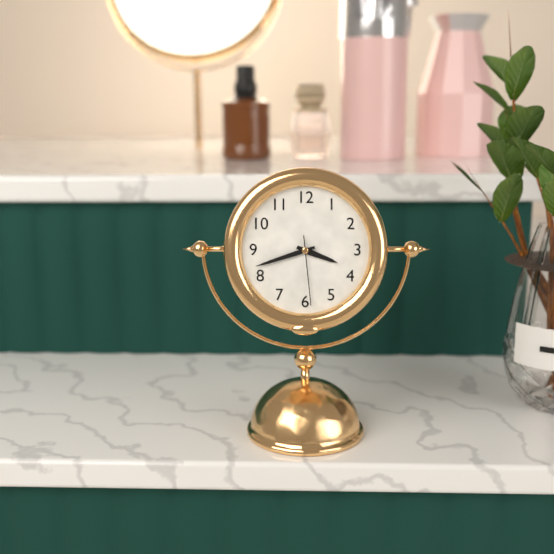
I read {"hour": 3, "minute": 42, "second": 29}
